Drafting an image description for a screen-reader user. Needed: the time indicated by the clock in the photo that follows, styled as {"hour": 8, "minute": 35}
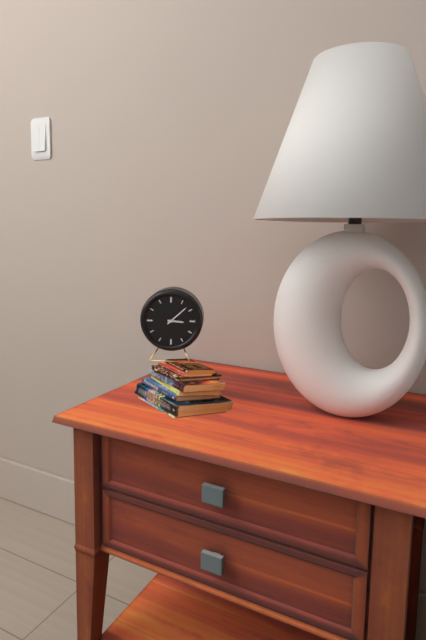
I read {"hour": 3, "minute": 8}
